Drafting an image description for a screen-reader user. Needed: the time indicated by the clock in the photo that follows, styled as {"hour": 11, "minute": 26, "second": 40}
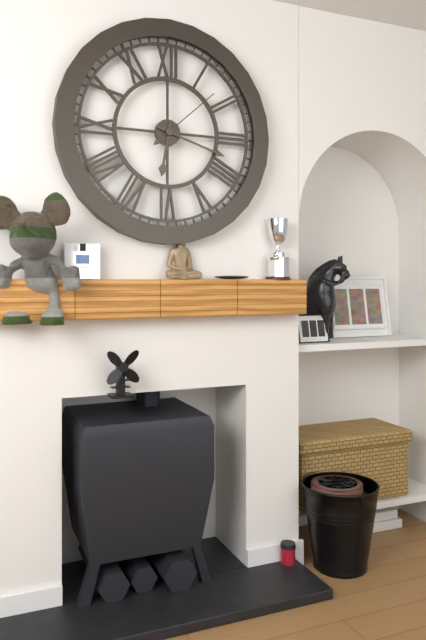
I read {"hour": 6, "minute": 18, "second": 8}
